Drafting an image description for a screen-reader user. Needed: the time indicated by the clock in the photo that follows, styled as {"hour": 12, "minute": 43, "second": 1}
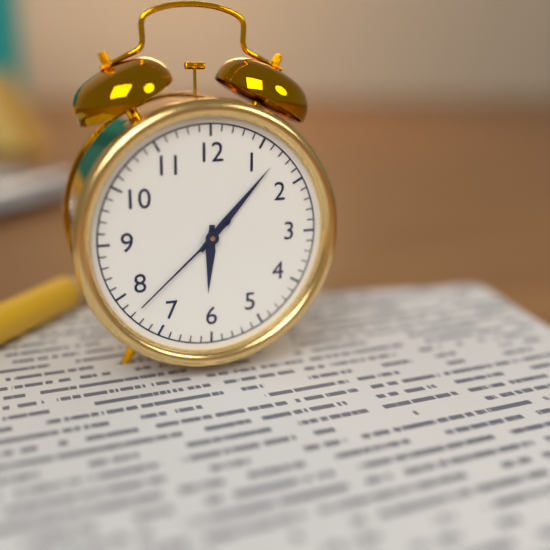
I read {"hour": 6, "minute": 7, "second": 38}
